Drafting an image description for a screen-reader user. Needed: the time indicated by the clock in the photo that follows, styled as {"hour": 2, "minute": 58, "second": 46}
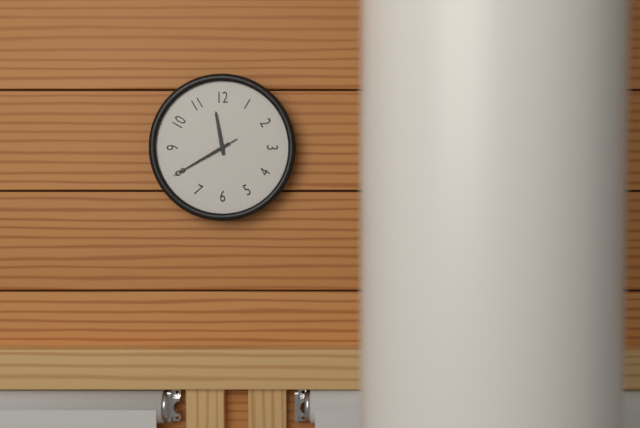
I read {"hour": 11, "minute": 40, "second": 40}
